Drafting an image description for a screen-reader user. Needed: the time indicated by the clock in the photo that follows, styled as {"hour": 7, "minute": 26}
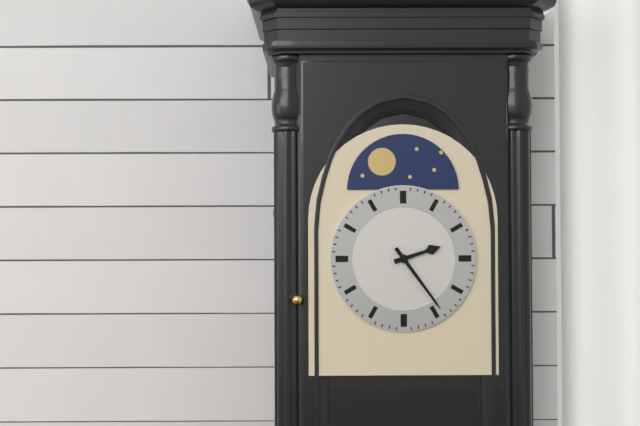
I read {"hour": 2, "minute": 24}
